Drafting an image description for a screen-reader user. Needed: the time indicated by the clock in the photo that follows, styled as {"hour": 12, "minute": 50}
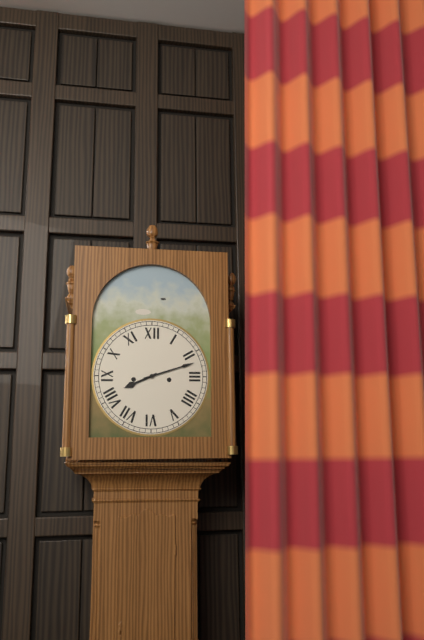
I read {"hour": 8, "minute": 12}
